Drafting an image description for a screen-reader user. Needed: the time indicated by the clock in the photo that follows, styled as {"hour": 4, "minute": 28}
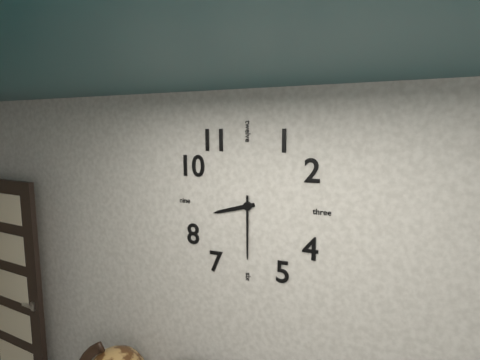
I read {"hour": 8, "minute": 30}
